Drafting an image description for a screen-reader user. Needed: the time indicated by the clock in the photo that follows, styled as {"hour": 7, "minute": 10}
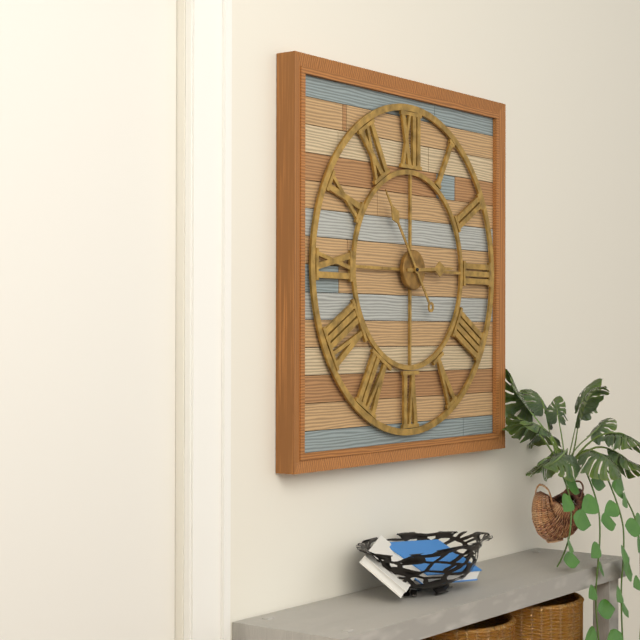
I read {"hour": 2, "minute": 54}
